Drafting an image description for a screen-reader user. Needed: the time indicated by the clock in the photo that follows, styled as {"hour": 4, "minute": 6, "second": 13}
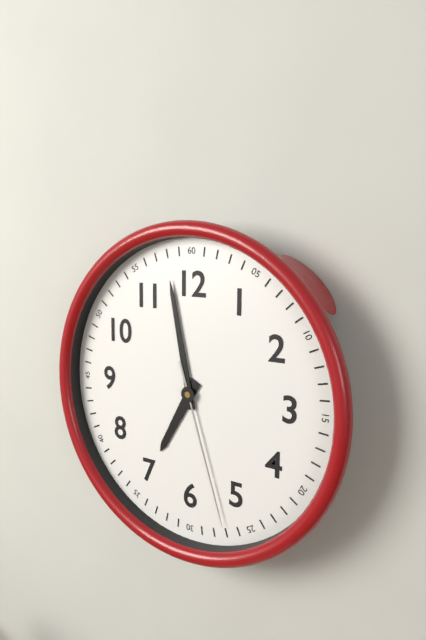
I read {"hour": 6, "minute": 58, "second": 27}
